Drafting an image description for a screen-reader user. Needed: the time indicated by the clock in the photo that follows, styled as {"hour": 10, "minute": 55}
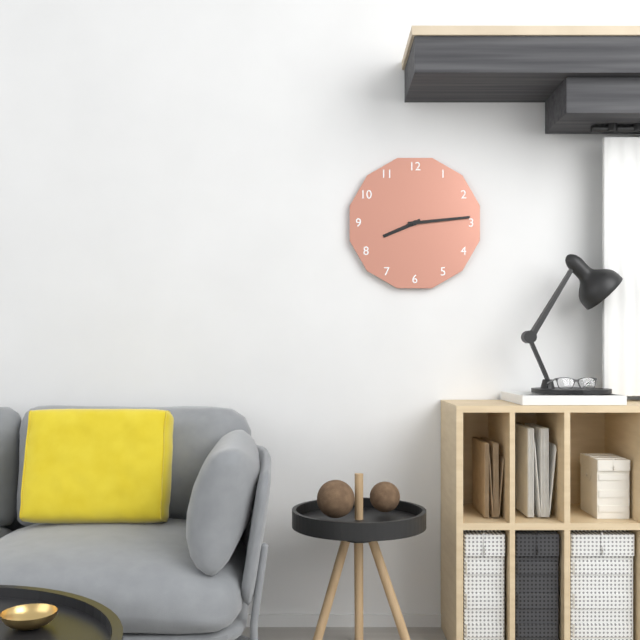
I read {"hour": 8, "minute": 14}
